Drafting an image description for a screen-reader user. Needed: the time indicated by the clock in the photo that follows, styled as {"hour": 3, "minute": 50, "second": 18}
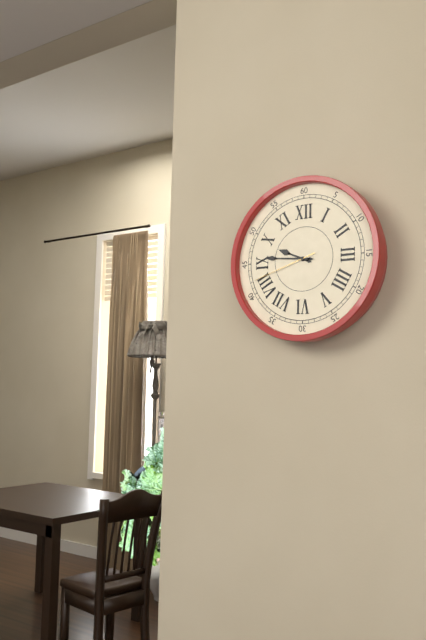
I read {"hour": 9, "minute": 46, "second": 42}
